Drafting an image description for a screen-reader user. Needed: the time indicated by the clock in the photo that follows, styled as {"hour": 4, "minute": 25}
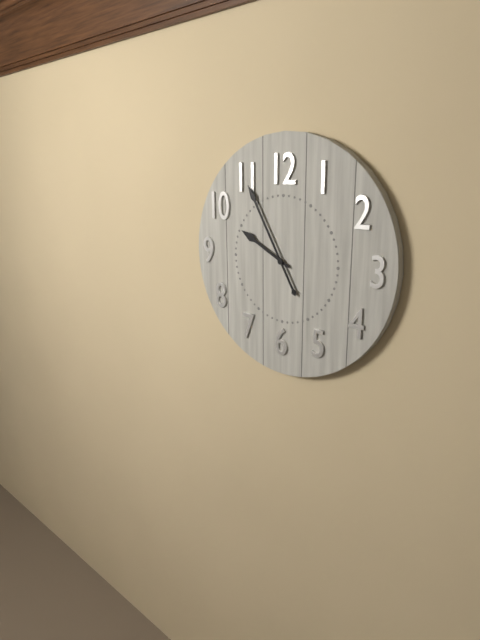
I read {"hour": 9, "minute": 55}
